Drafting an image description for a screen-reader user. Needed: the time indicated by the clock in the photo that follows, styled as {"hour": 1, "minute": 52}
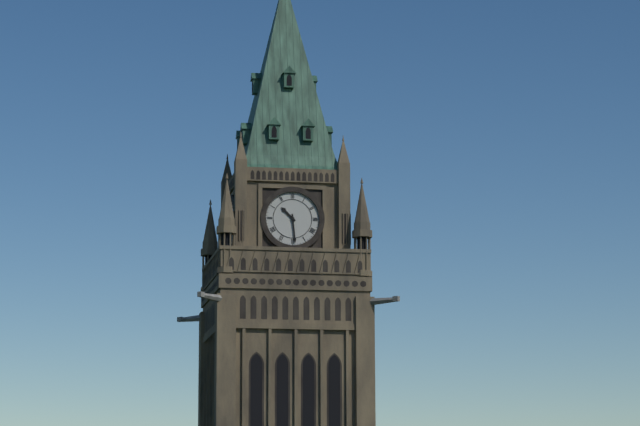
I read {"hour": 10, "minute": 29}
